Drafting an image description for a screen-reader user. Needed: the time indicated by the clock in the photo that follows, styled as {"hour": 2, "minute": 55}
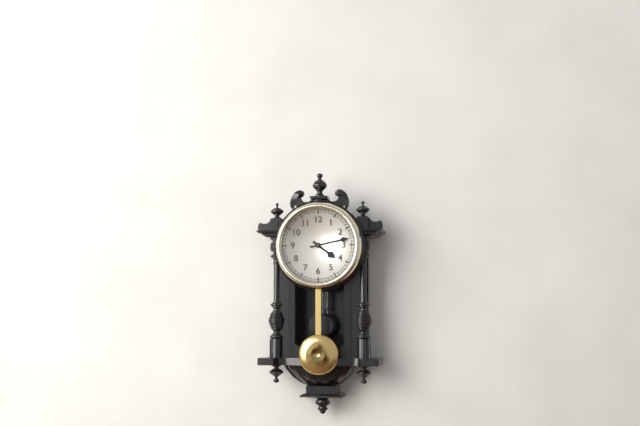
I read {"hour": 4, "minute": 13}
